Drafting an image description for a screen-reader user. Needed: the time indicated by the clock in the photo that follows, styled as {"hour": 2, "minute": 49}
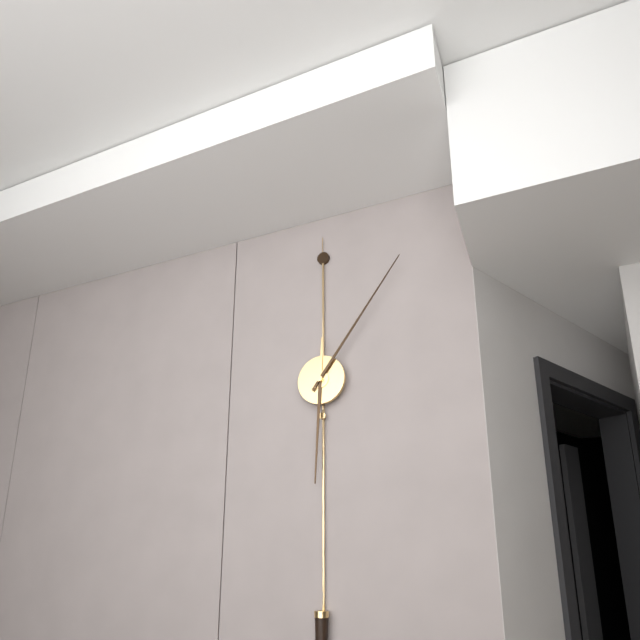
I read {"hour": 6, "minute": 6}
